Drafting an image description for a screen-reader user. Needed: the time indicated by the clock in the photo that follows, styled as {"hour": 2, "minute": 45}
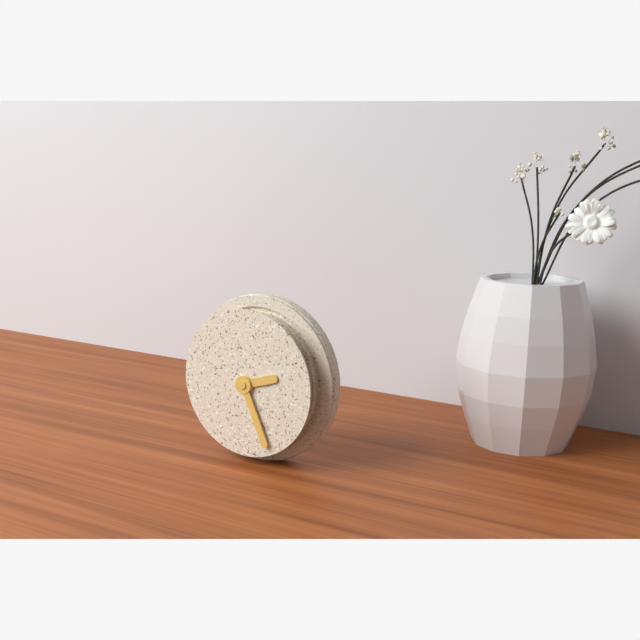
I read {"hour": 2, "minute": 26}
